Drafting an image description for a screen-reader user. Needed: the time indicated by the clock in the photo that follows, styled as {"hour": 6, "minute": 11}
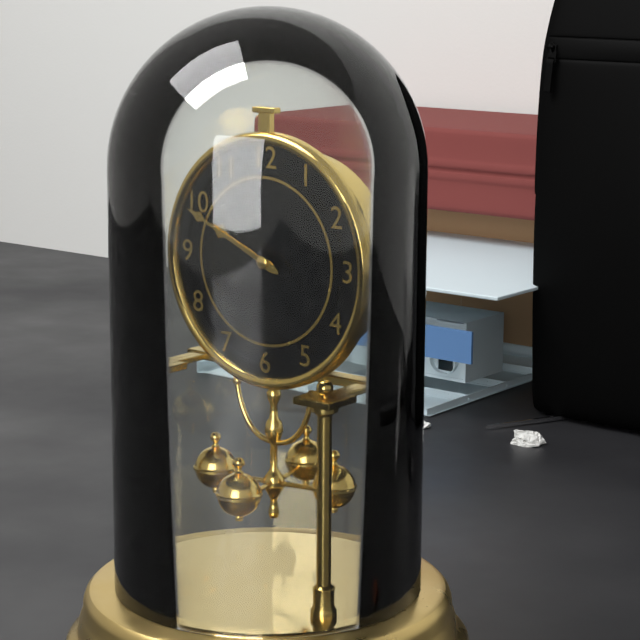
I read {"hour": 9, "minute": 49}
